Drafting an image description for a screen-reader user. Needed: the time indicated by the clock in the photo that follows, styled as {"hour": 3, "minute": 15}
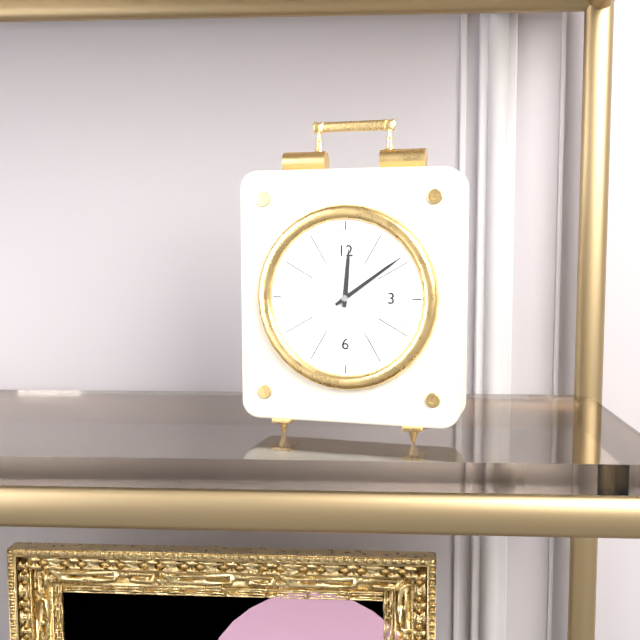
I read {"hour": 12, "minute": 9}
